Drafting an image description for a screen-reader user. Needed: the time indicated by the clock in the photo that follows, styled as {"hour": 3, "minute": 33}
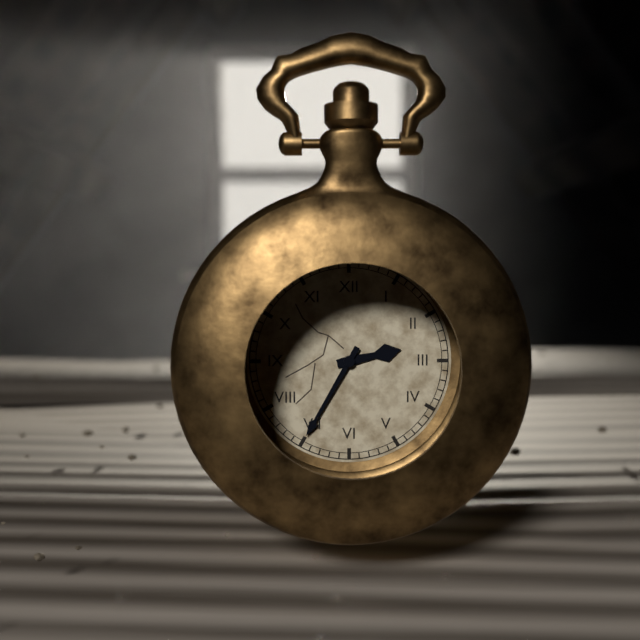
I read {"hour": 2, "minute": 35}
